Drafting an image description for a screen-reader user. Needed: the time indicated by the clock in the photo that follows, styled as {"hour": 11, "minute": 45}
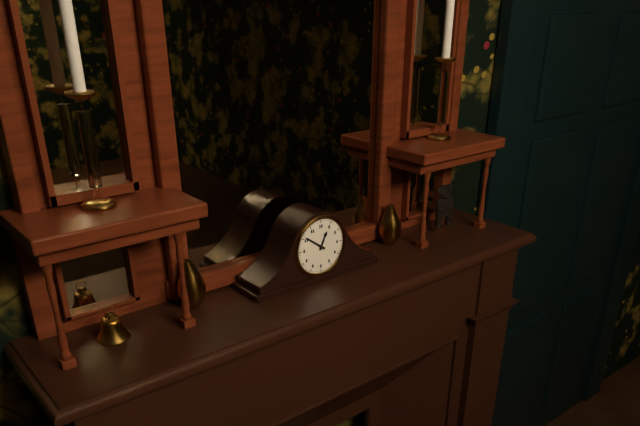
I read {"hour": 12, "minute": 51}
